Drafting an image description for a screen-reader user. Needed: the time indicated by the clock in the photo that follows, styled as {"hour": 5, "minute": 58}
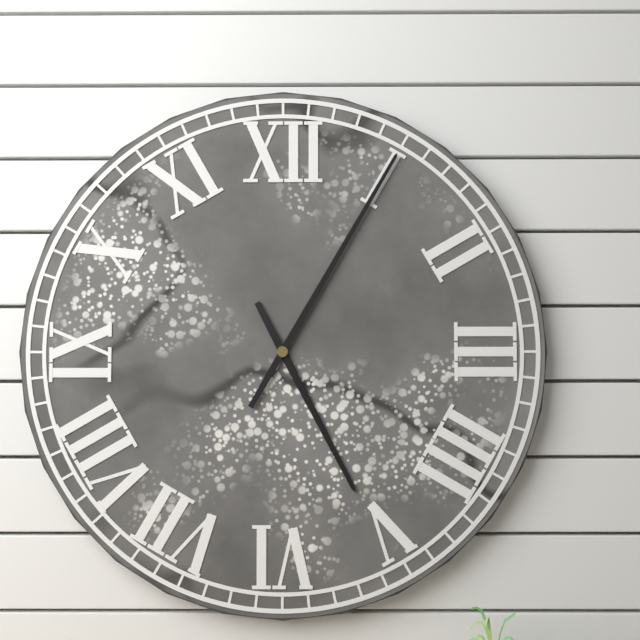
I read {"hour": 5, "minute": 5}
